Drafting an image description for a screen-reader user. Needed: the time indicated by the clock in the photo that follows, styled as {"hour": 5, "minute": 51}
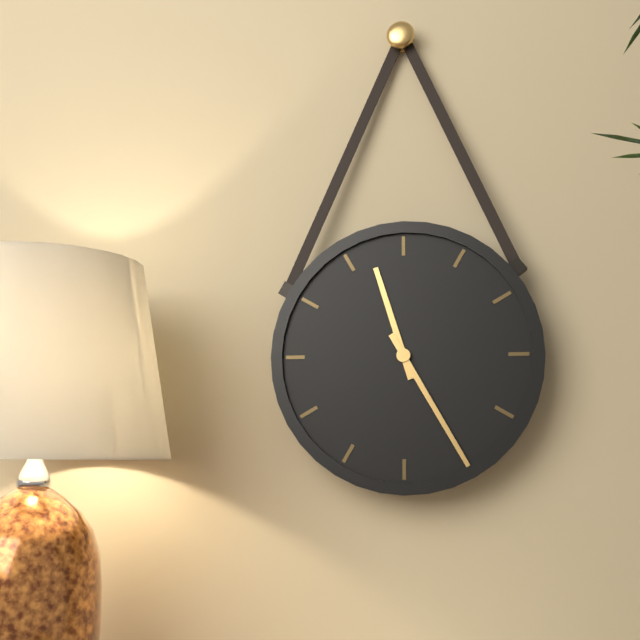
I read {"hour": 11, "minute": 25}
